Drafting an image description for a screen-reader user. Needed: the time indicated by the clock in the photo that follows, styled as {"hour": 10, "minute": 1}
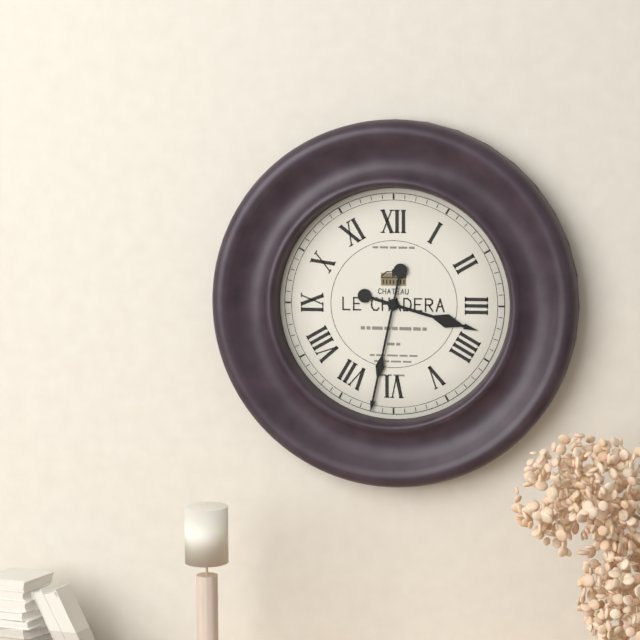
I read {"hour": 3, "minute": 32}
